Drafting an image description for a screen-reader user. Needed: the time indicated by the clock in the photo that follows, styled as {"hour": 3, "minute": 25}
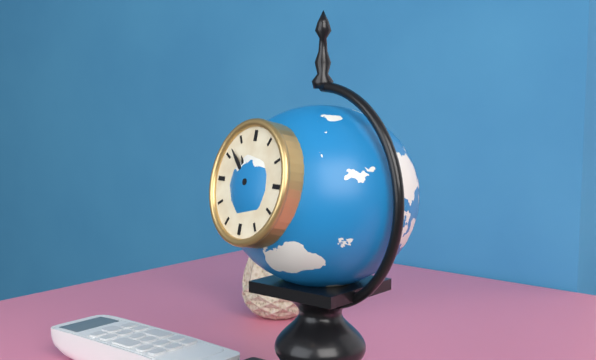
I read {"hour": 10, "minute": 52}
